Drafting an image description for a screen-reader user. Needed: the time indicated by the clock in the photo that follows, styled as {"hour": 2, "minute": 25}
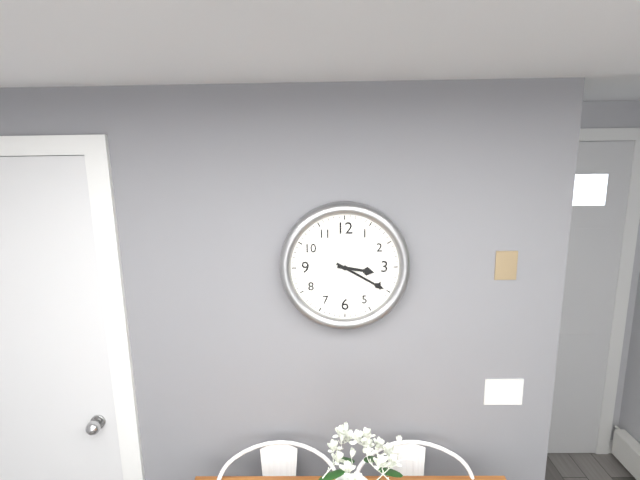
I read {"hour": 3, "minute": 20}
